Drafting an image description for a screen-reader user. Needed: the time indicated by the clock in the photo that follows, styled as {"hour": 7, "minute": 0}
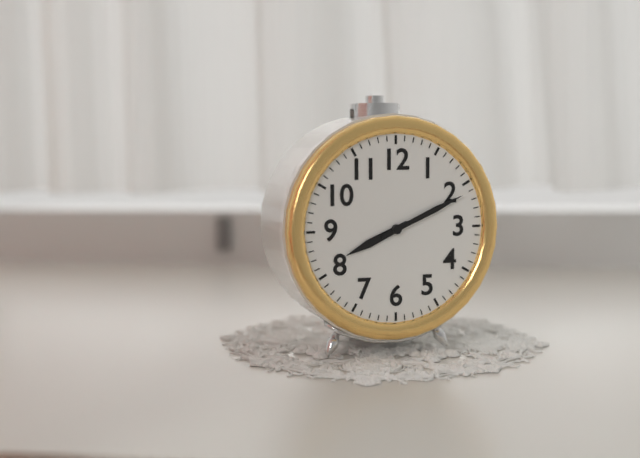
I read {"hour": 8, "minute": 11}
